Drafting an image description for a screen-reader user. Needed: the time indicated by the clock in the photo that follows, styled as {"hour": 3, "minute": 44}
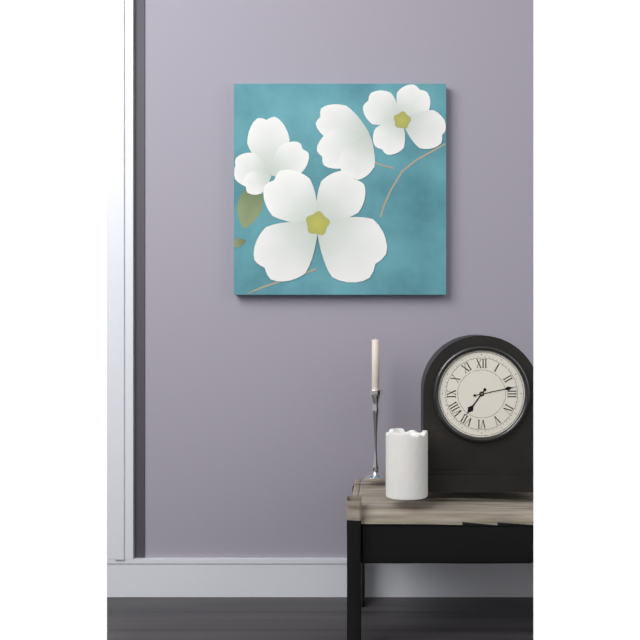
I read {"hour": 7, "minute": 13}
